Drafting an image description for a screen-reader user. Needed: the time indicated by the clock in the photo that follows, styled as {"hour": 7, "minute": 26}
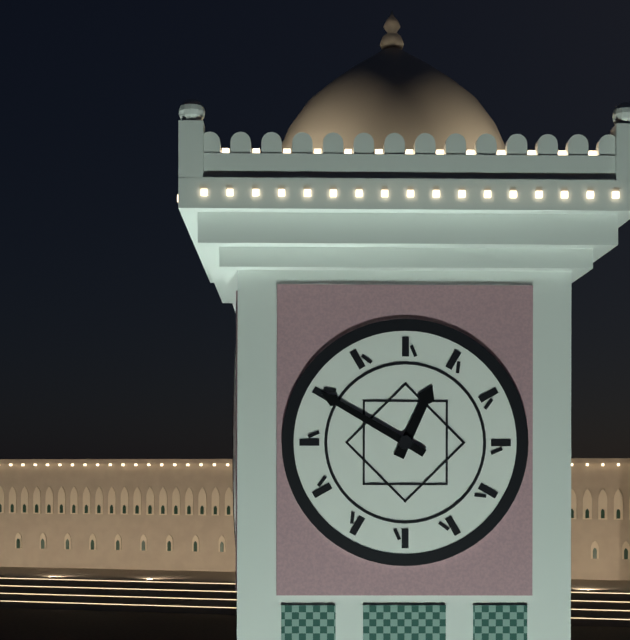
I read {"hour": 12, "minute": 50}
